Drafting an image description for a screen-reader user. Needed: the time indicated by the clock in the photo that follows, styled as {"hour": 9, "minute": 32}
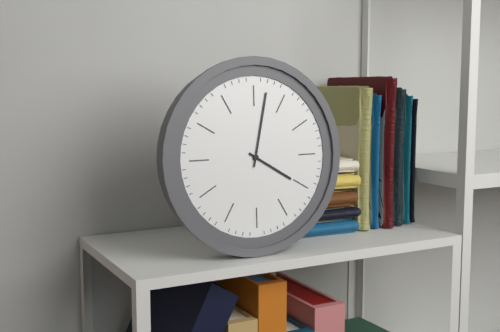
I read {"hour": 4, "minute": 2}
